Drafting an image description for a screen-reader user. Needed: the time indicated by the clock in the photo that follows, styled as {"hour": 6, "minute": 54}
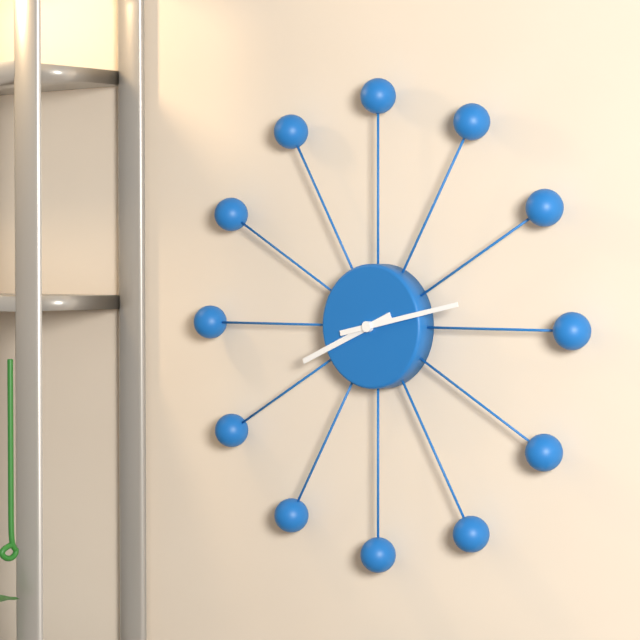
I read {"hour": 8, "minute": 13}
